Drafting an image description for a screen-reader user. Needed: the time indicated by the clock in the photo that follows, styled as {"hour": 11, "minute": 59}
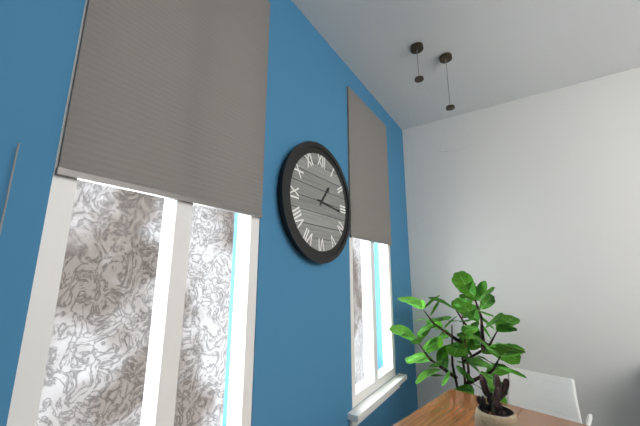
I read {"hour": 1, "minute": 16}
